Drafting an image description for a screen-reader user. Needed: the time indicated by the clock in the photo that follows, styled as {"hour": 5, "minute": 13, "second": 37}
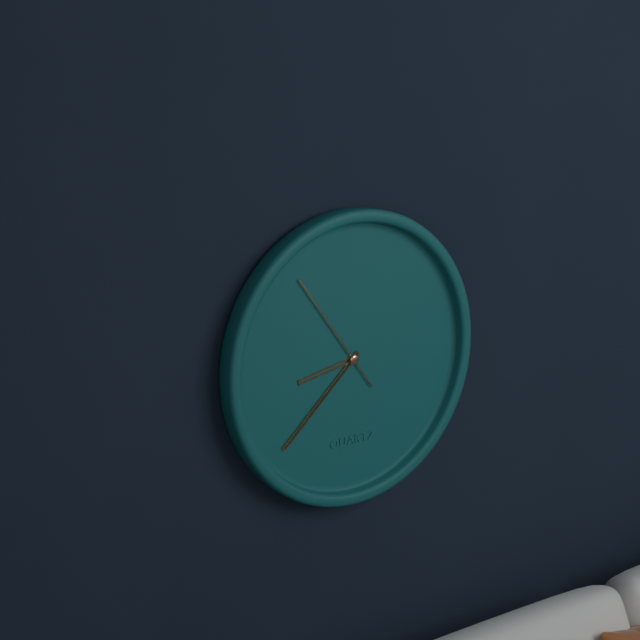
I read {"hour": 8, "minute": 38, "second": 54}
